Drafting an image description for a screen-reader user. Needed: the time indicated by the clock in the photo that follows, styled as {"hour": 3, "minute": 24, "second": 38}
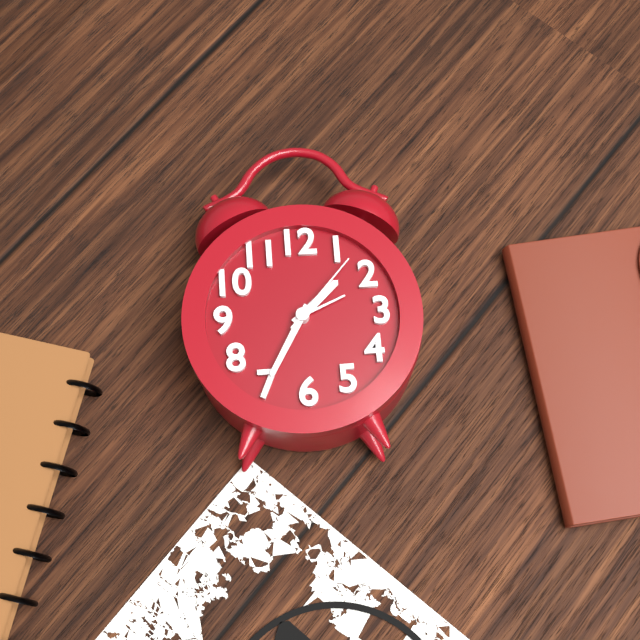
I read {"hour": 1, "minute": 35, "second": 7}
